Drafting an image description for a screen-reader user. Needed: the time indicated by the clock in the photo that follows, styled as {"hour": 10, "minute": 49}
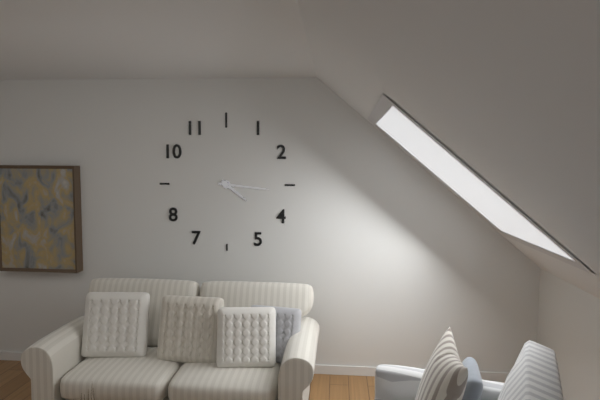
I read {"hour": 4, "minute": 16}
